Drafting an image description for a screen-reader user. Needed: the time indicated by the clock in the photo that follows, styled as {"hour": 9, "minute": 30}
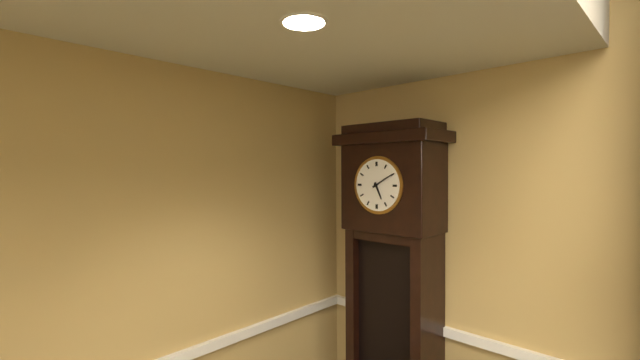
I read {"hour": 5, "minute": 10}
